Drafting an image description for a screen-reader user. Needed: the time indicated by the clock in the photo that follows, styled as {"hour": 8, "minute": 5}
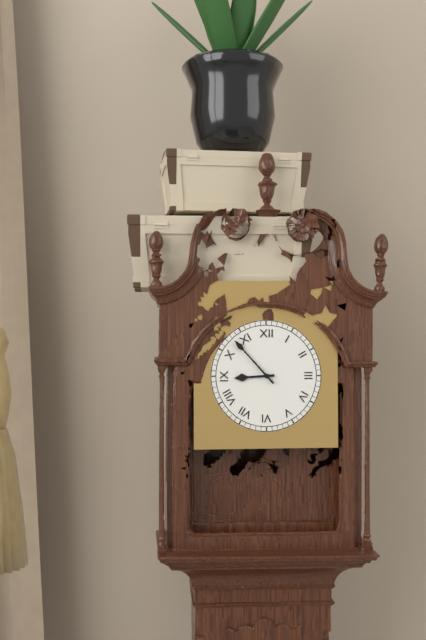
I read {"hour": 8, "minute": 53}
